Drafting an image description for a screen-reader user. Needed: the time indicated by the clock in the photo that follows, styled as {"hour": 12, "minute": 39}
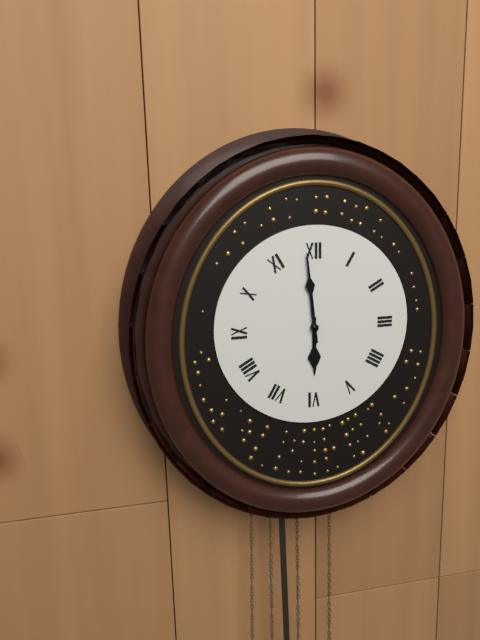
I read {"hour": 5, "minute": 59}
